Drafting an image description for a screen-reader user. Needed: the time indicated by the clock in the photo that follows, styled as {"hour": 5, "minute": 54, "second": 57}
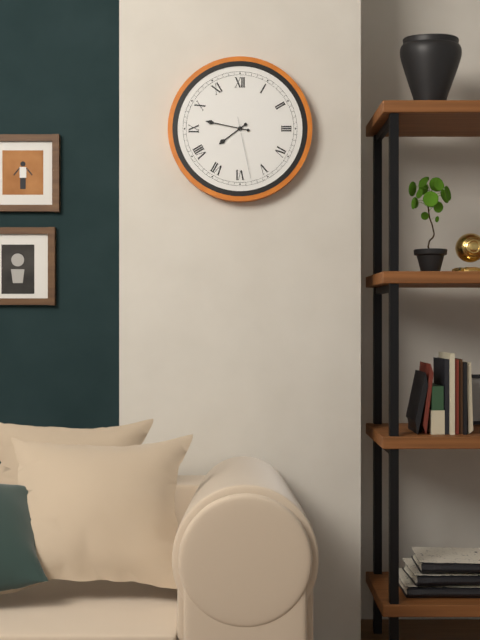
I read {"hour": 7, "minute": 47, "second": 28}
